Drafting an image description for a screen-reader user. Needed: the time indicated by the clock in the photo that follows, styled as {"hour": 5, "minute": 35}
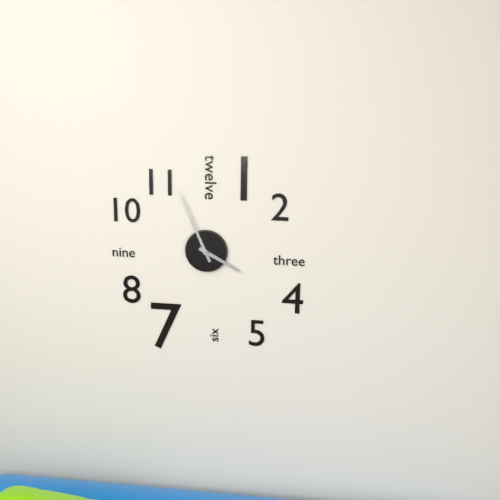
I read {"hour": 3, "minute": 56}
